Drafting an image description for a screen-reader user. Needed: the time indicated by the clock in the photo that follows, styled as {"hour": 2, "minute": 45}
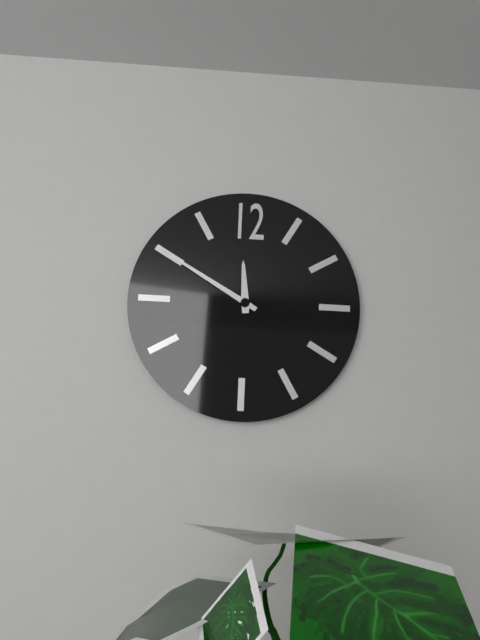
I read {"hour": 11, "minute": 50}
